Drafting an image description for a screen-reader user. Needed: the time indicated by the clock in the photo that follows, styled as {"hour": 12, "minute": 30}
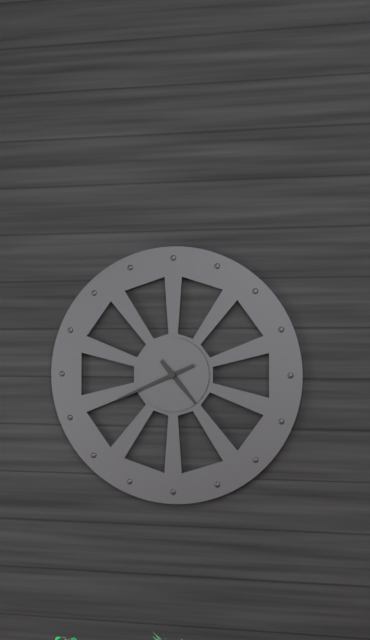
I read {"hour": 4, "minute": 41}
